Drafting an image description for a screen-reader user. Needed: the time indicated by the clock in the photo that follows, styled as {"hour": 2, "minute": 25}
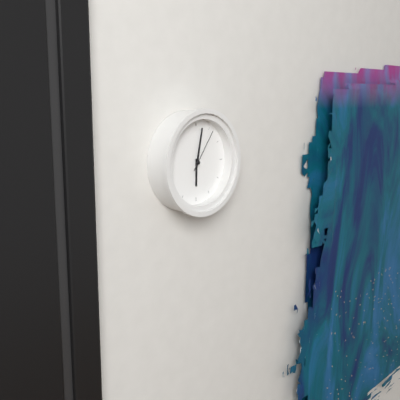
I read {"hour": 6, "minute": 2}
